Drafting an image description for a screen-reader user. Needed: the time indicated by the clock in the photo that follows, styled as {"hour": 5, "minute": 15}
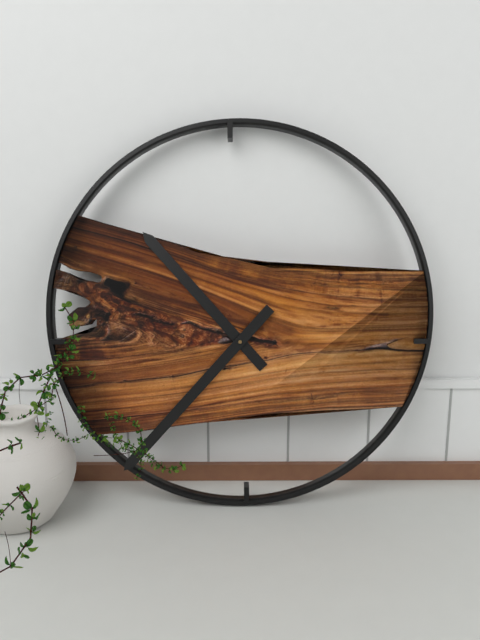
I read {"hour": 10, "minute": 37}
